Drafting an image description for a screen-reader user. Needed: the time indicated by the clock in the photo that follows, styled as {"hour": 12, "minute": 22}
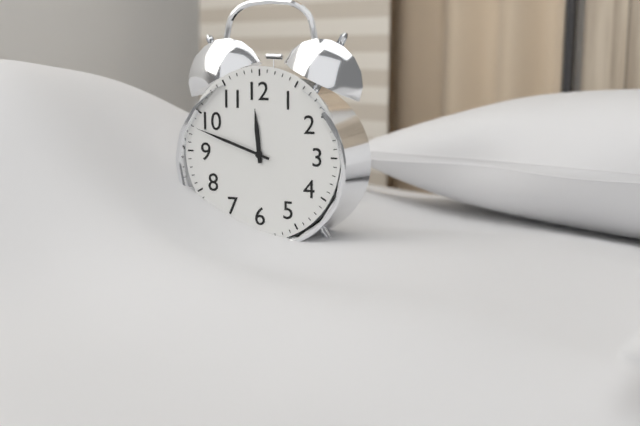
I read {"hour": 11, "minute": 48}
